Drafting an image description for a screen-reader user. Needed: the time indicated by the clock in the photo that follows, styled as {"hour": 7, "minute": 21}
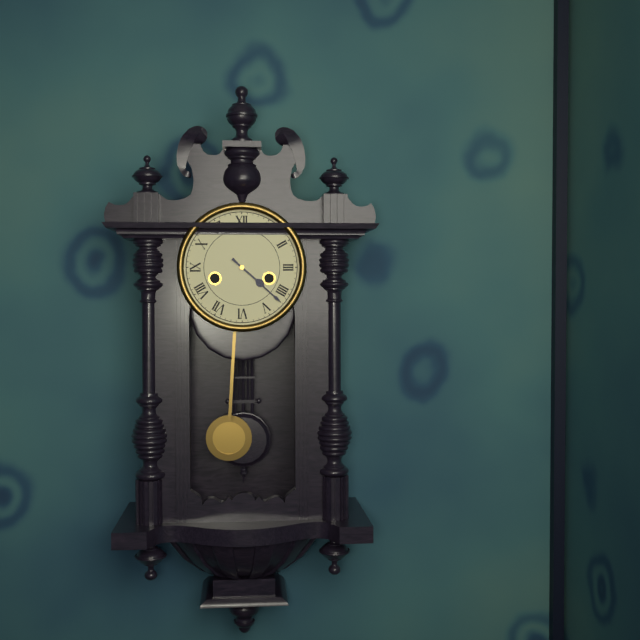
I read {"hour": 4, "minute": 22}
